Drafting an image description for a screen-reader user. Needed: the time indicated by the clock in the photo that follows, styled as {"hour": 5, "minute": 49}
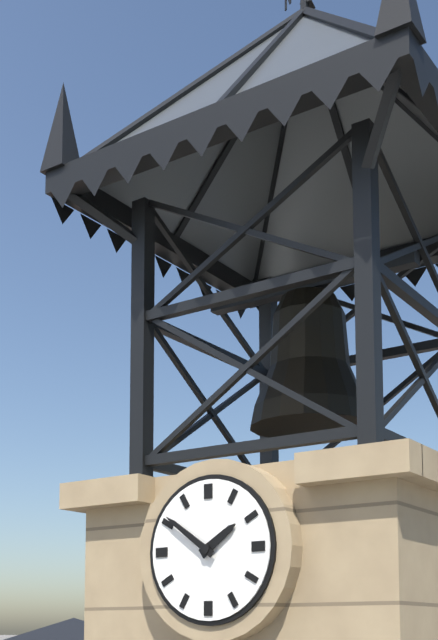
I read {"hour": 1, "minute": 51}
